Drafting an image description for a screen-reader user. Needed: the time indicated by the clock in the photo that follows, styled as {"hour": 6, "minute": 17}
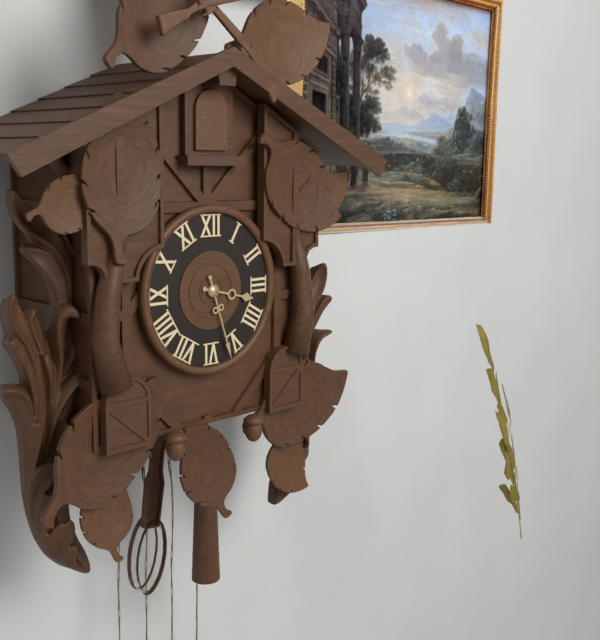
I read {"hour": 3, "minute": 27}
